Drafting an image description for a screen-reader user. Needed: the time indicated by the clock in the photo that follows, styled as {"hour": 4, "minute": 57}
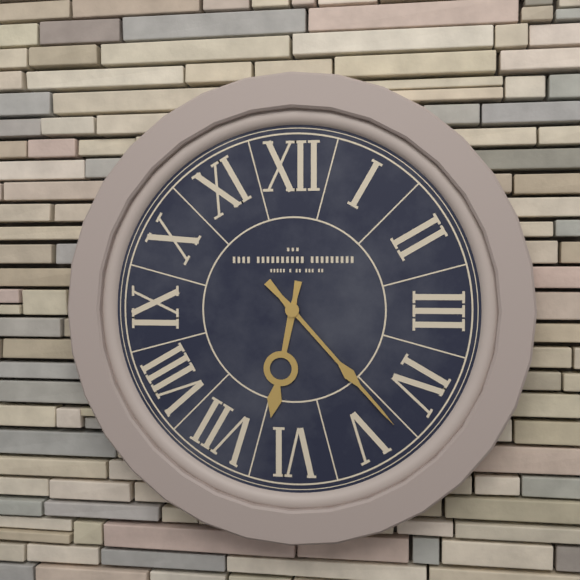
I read {"hour": 6, "minute": 23}
